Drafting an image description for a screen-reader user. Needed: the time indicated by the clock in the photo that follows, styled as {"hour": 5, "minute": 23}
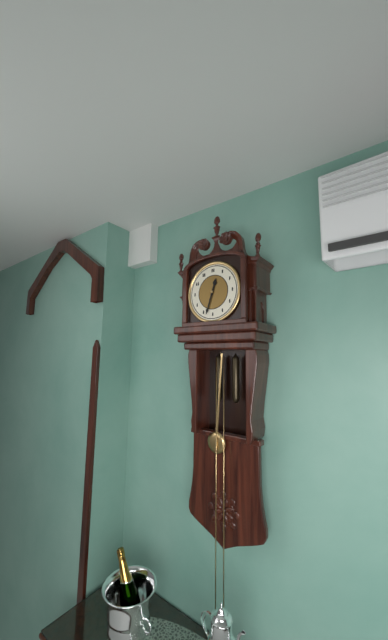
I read {"hour": 12, "minute": 33}
